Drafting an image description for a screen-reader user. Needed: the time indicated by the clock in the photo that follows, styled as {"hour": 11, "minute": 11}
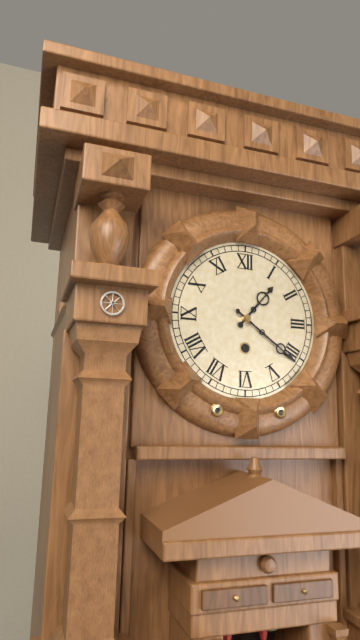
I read {"hour": 1, "minute": 21}
